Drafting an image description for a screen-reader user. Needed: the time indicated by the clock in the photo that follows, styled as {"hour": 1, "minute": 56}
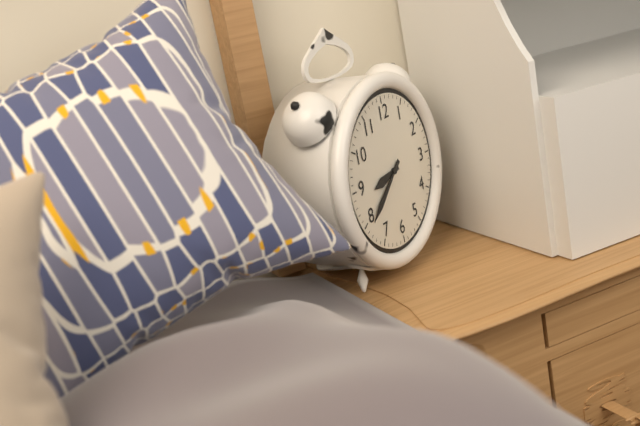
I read {"hour": 8, "minute": 39}
